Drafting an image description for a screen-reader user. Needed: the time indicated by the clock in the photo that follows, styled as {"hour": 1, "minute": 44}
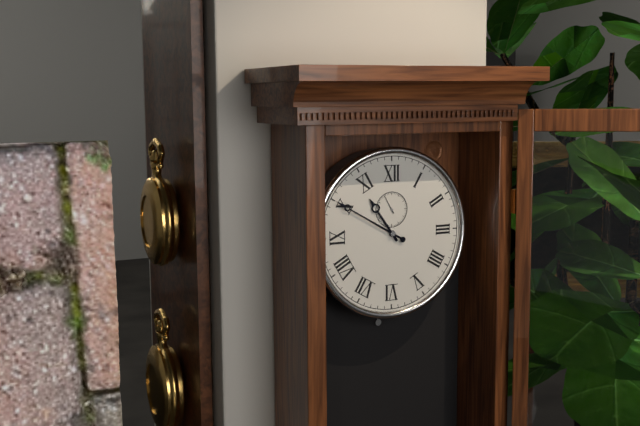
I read {"hour": 10, "minute": 50}
